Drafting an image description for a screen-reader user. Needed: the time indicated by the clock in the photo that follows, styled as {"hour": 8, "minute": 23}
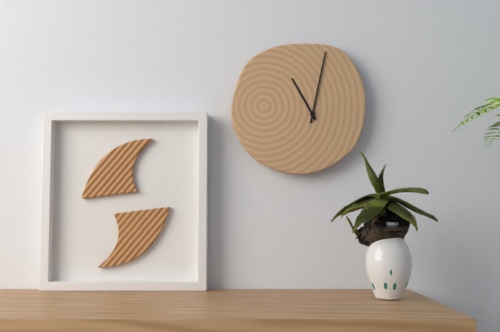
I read {"hour": 11, "minute": 2}
